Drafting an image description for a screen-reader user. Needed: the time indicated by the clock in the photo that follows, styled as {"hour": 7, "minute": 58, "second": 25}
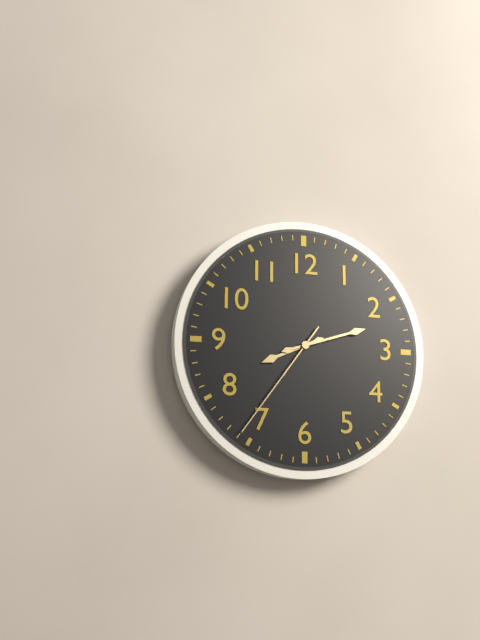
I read {"hour": 8, "minute": 12, "second": 36}
